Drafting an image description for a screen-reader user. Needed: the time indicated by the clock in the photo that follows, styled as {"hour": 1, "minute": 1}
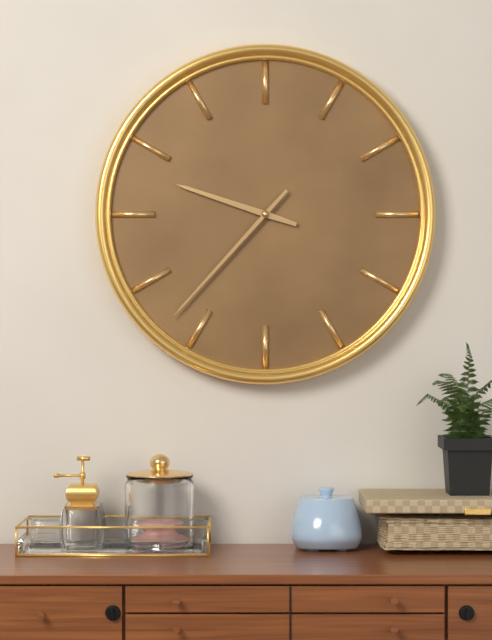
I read {"hour": 9, "minute": 37}
